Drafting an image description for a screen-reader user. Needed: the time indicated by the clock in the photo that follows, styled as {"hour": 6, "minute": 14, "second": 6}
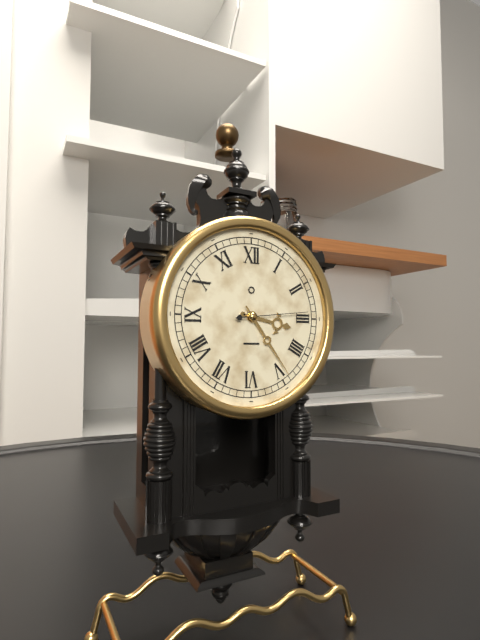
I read {"hour": 3, "minute": 24, "second": 14}
